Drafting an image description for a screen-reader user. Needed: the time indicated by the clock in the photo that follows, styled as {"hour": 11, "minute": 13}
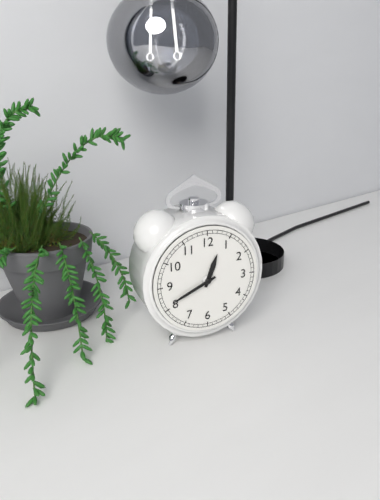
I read {"hour": 12, "minute": 41}
